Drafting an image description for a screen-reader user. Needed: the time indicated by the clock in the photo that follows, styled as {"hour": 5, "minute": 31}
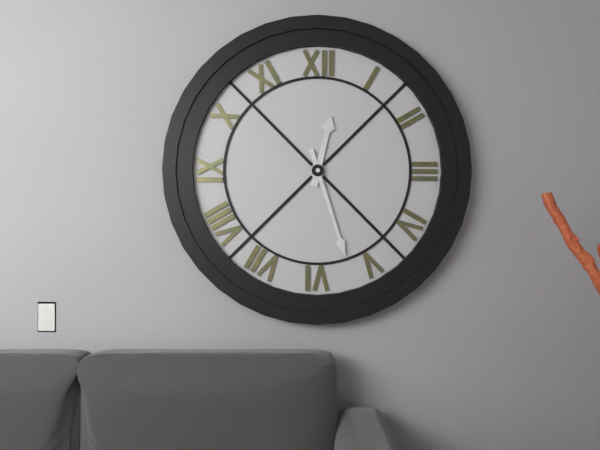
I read {"hour": 12, "minute": 27}
